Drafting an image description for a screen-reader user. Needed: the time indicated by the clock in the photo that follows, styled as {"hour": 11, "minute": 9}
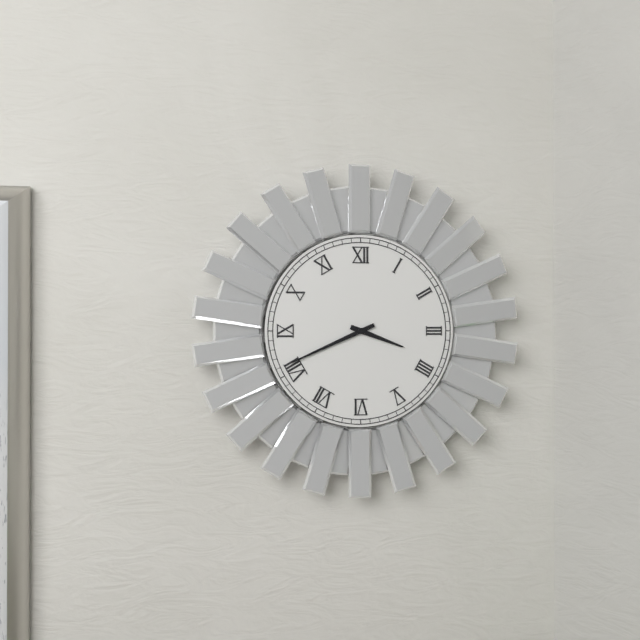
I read {"hour": 3, "minute": 41}
